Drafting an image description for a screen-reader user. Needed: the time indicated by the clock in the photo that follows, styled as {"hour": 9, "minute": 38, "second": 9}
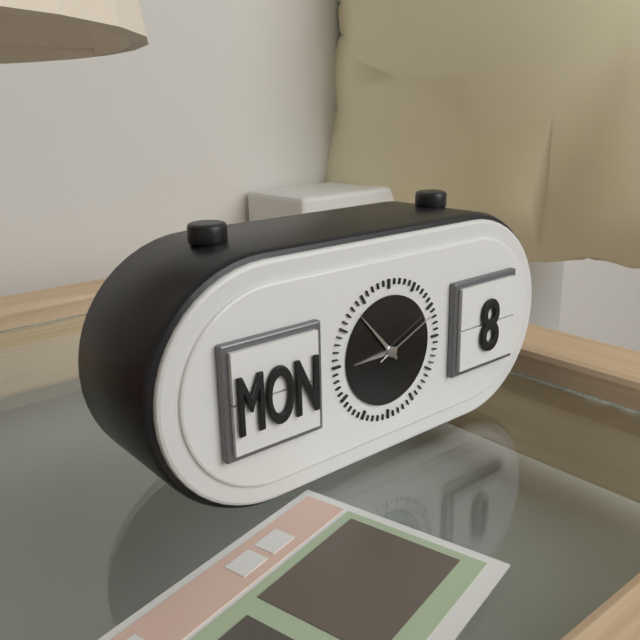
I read {"hour": 8, "minute": 53, "second": 11}
